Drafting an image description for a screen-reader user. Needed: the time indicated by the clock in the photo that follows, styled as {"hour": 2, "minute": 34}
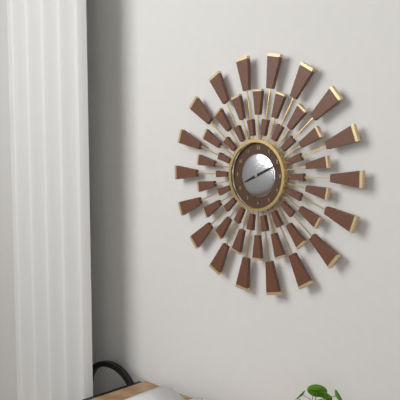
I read {"hour": 8, "minute": 11}
